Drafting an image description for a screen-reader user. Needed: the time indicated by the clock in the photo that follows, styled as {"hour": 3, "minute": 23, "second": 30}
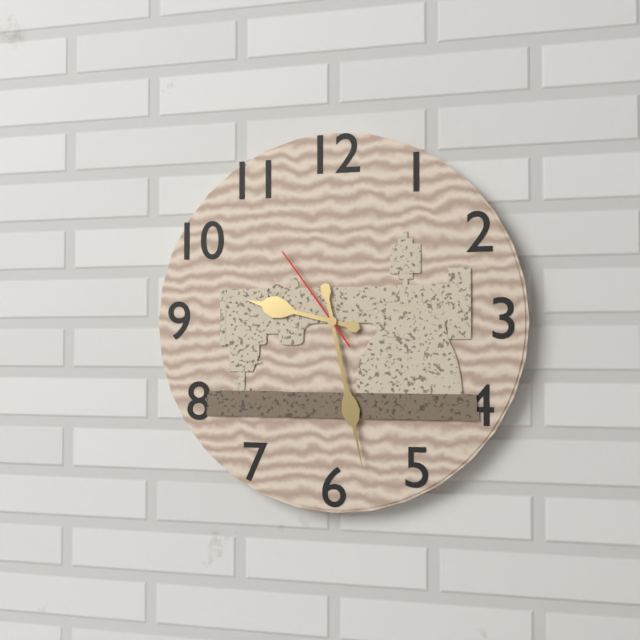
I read {"hour": 9, "minute": 28, "second": 54}
